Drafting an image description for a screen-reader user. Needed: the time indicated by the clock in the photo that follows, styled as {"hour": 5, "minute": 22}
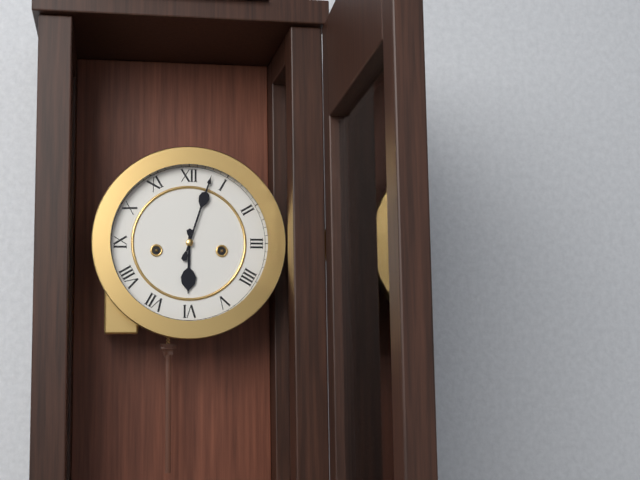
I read {"hour": 6, "minute": 3}
